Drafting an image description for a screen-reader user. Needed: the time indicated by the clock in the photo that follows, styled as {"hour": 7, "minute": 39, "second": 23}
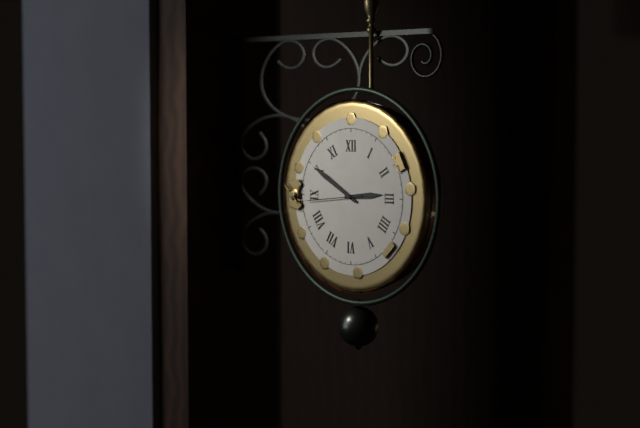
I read {"hour": 2, "minute": 50, "second": 44}
